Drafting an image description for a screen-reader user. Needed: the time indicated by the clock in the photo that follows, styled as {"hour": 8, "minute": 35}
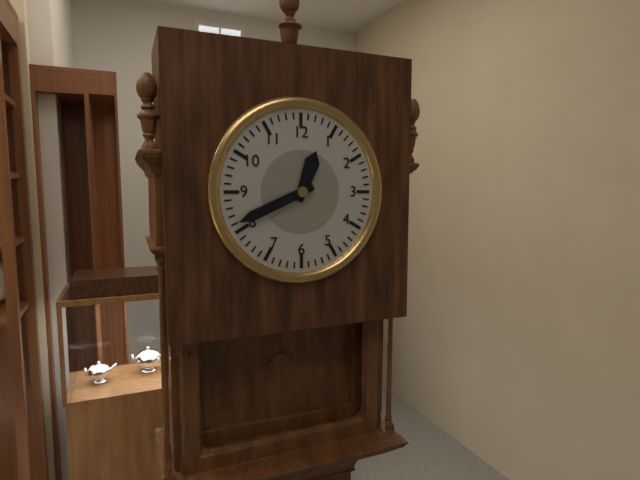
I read {"hour": 12, "minute": 41}
